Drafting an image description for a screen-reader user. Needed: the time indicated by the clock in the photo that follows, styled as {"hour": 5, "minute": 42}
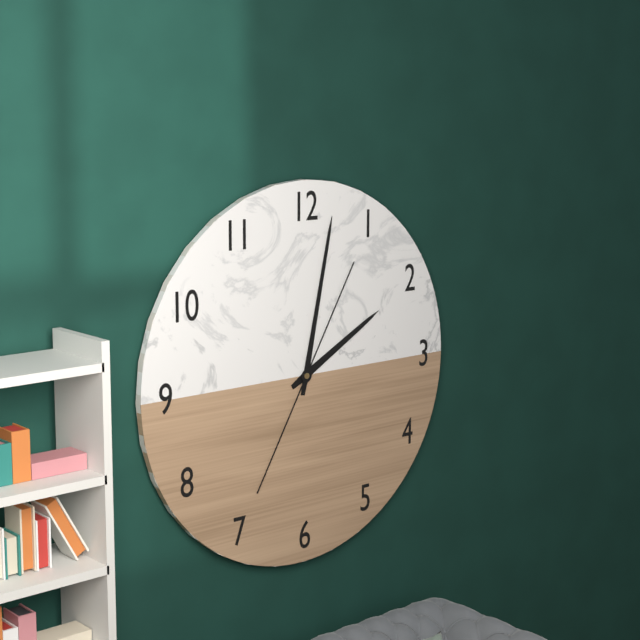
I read {"hour": 2, "minute": 2}
